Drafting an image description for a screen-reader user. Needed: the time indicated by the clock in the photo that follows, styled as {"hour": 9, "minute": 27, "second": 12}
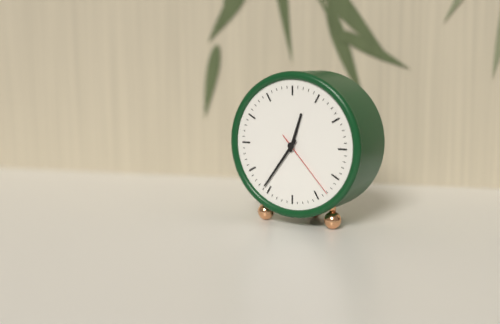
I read {"hour": 12, "minute": 36, "second": 23}
